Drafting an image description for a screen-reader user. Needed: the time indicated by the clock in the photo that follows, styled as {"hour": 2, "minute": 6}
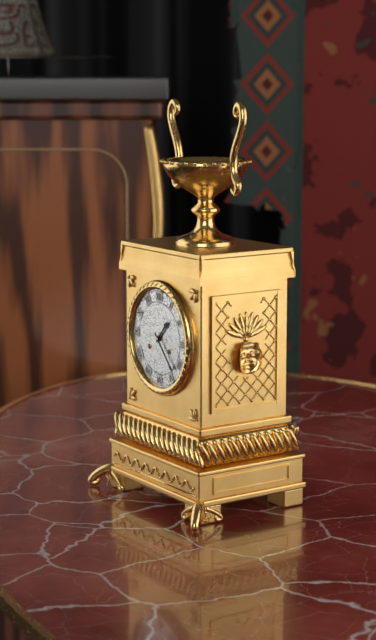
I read {"hour": 1, "minute": 23}
